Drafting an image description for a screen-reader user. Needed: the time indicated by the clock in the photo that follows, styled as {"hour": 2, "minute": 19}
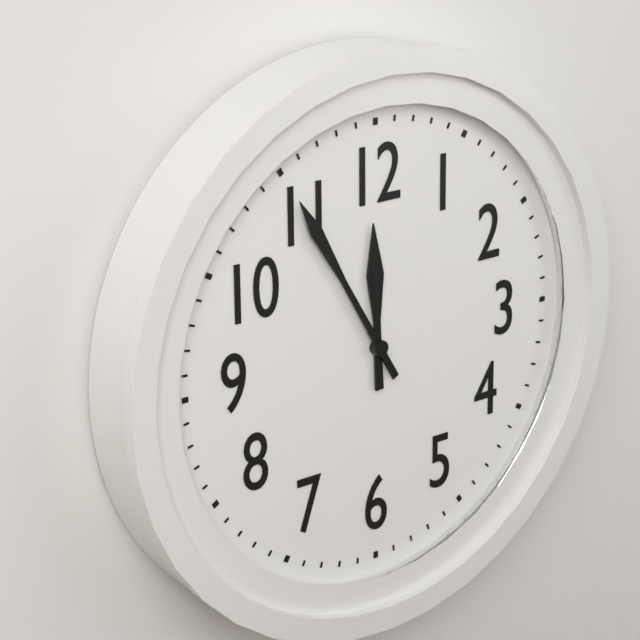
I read {"hour": 11, "minute": 55}
